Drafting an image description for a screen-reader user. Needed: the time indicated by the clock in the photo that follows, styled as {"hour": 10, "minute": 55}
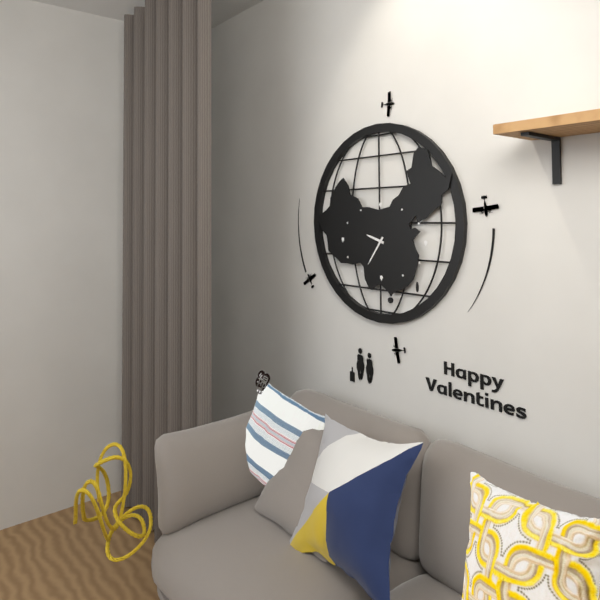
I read {"hour": 9, "minute": 36}
